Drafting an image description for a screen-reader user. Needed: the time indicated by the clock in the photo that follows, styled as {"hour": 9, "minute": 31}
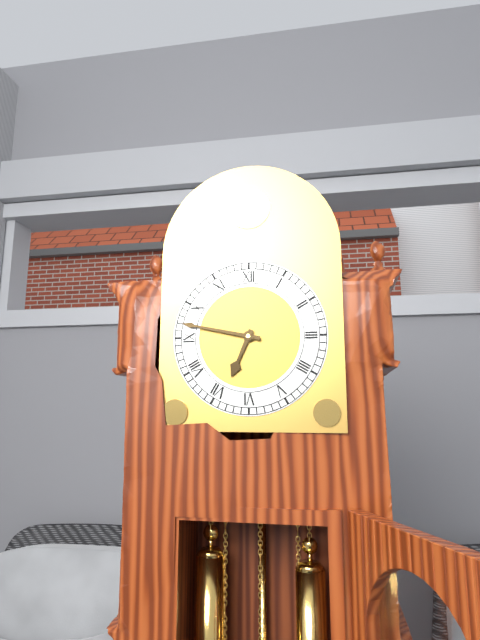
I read {"hour": 6, "minute": 47}
